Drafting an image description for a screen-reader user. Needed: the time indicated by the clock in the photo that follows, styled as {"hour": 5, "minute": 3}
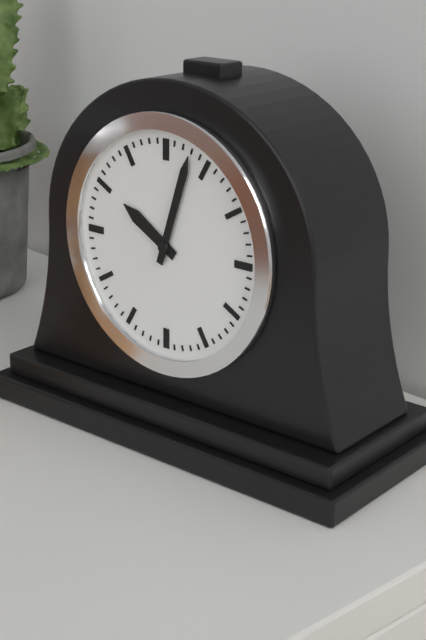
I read {"hour": 10, "minute": 3}
